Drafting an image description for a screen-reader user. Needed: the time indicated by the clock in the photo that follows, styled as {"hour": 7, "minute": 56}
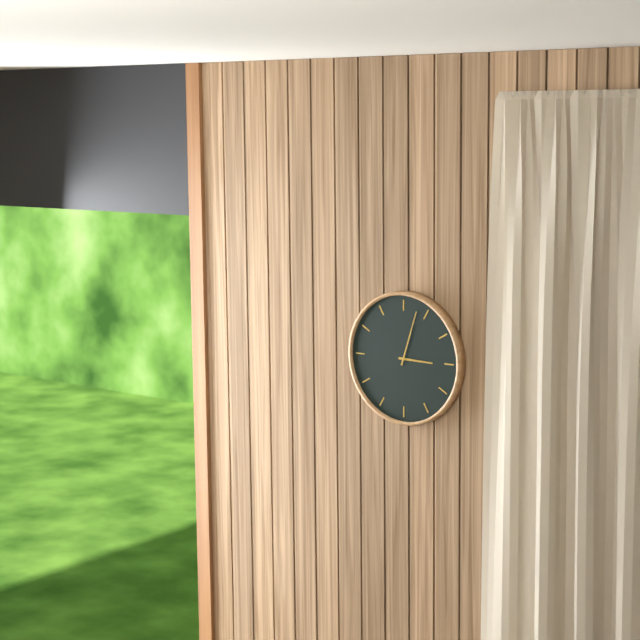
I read {"hour": 3, "minute": 3}
